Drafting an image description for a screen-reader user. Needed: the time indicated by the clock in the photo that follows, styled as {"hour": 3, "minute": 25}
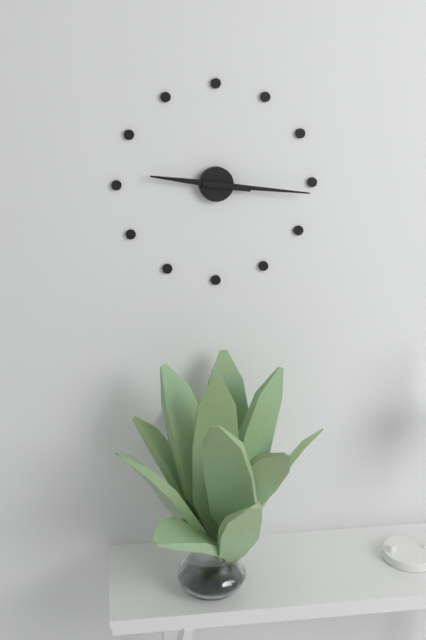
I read {"hour": 9, "minute": 16}
